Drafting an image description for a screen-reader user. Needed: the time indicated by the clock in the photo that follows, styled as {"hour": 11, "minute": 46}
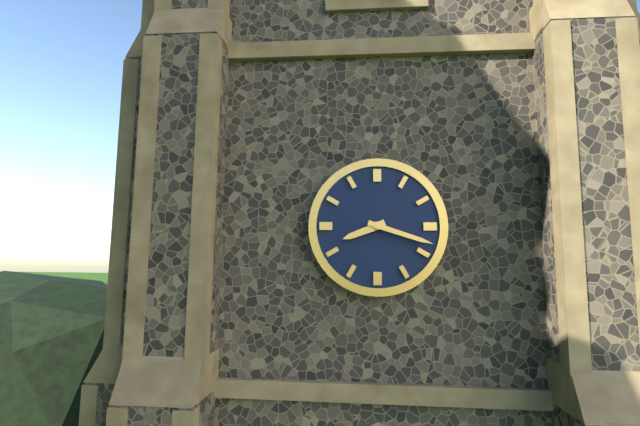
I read {"hour": 8, "minute": 18}
